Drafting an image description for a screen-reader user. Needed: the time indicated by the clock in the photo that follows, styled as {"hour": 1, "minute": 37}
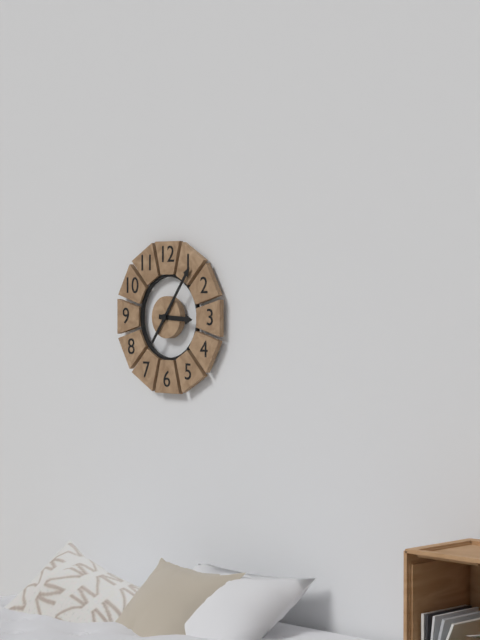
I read {"hour": 3, "minute": 6}
